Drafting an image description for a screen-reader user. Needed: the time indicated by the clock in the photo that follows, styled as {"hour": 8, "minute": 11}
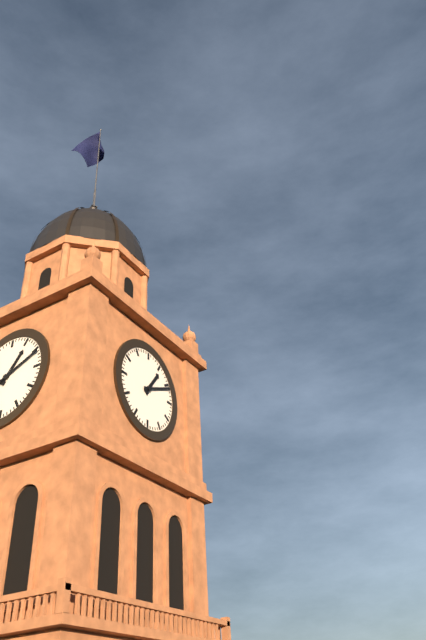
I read {"hour": 1, "minute": 11}
